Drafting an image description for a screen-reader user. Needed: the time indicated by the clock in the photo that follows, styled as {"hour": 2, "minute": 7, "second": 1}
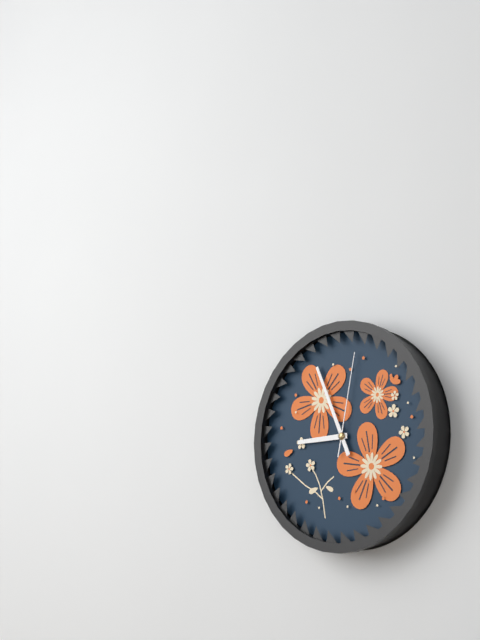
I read {"hour": 8, "minute": 56, "second": 2}
